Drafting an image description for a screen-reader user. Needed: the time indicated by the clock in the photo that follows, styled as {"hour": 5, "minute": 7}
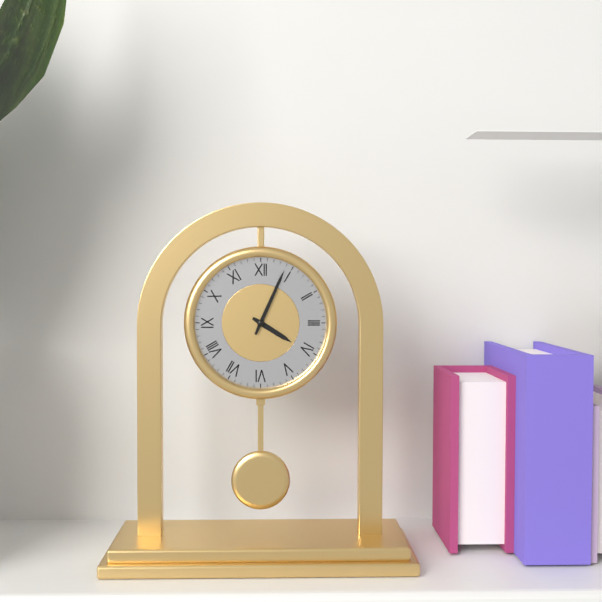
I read {"hour": 4, "minute": 4}
